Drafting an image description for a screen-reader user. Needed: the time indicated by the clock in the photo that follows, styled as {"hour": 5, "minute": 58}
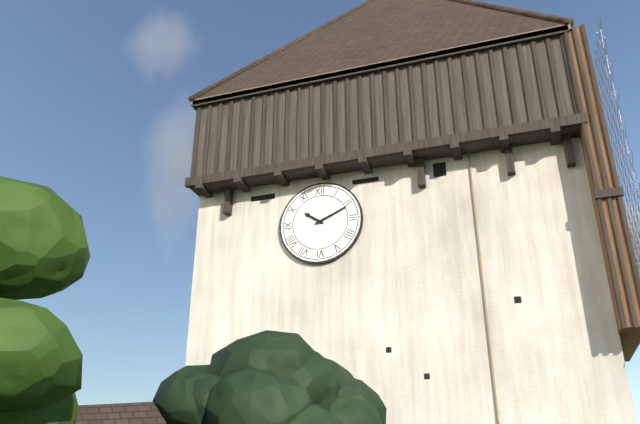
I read {"hour": 10, "minute": 11}
